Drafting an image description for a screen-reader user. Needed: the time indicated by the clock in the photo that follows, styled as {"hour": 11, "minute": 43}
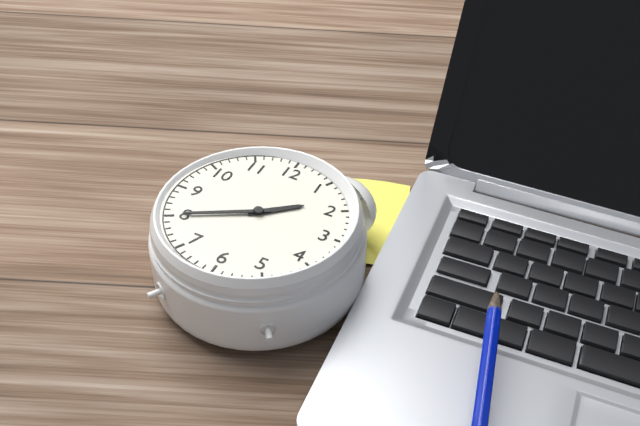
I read {"hour": 1, "minute": 40}
